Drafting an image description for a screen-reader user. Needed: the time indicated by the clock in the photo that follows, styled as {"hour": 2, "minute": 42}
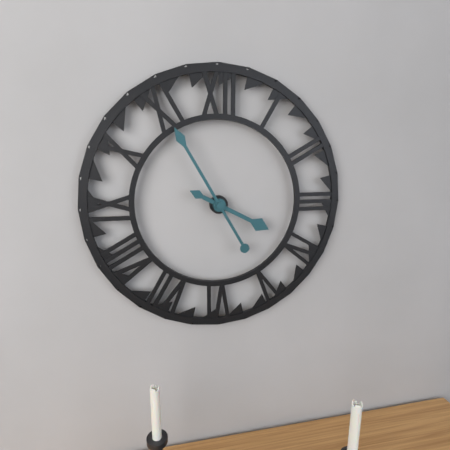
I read {"hour": 3, "minute": 55}
